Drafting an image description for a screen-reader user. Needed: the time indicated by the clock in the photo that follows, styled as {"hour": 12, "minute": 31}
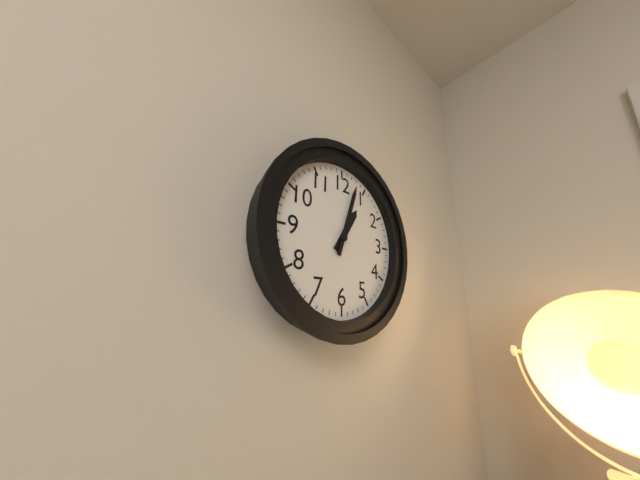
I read {"hour": 1, "minute": 3}
